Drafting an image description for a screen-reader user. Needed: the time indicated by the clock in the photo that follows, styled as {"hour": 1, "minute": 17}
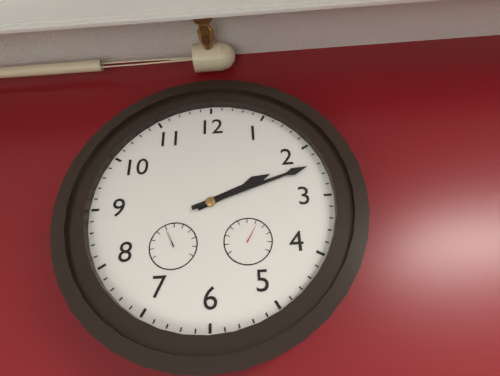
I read {"hour": 2, "minute": 12}
